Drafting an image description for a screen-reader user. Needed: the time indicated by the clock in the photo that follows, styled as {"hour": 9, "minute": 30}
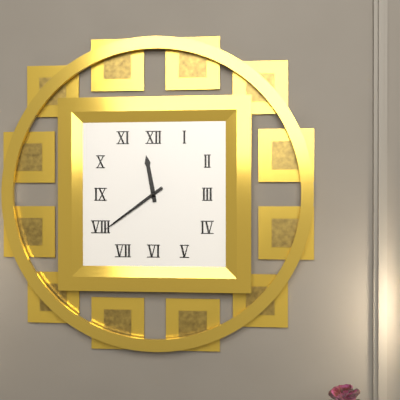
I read {"hour": 11, "minute": 39}
